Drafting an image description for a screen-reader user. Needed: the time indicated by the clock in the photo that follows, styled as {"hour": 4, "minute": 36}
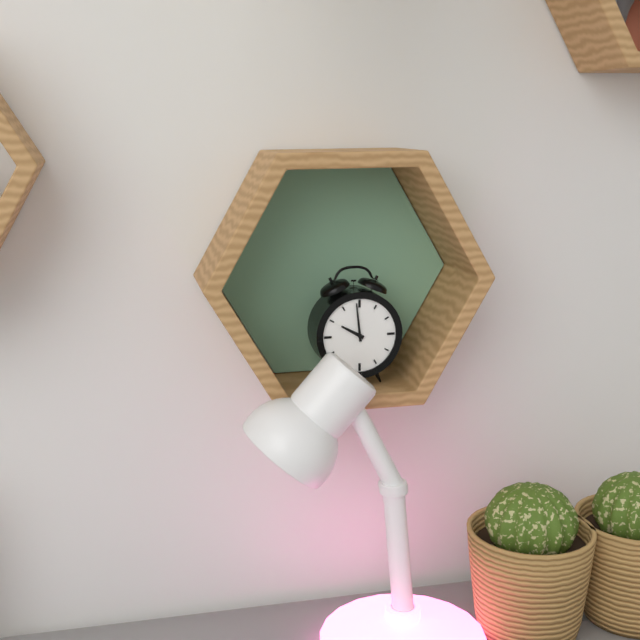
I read {"hour": 9, "minute": 59}
